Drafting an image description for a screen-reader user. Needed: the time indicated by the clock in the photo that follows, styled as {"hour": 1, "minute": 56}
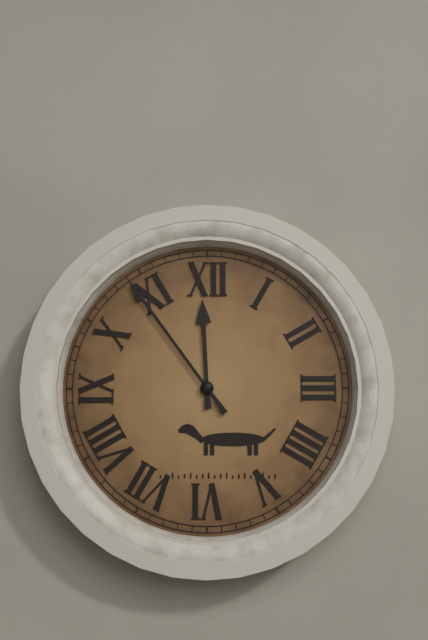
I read {"hour": 11, "minute": 54}
